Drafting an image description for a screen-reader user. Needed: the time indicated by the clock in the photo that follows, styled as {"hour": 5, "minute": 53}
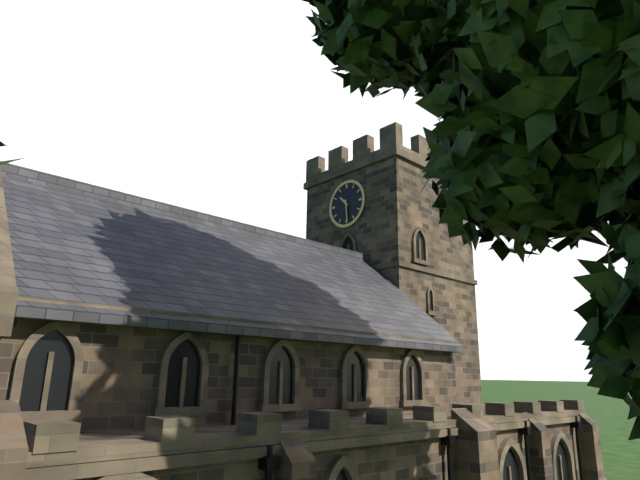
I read {"hour": 10, "minute": 29}
